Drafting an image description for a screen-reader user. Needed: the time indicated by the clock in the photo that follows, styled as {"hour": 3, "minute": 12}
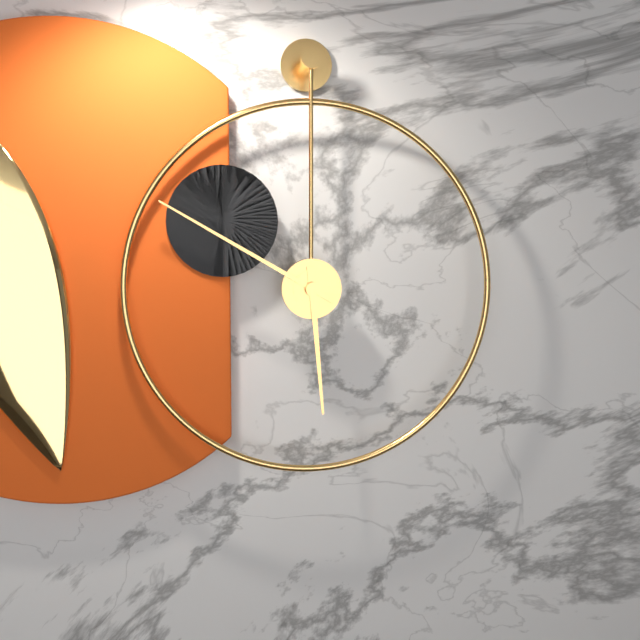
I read {"hour": 5, "minute": 50}
